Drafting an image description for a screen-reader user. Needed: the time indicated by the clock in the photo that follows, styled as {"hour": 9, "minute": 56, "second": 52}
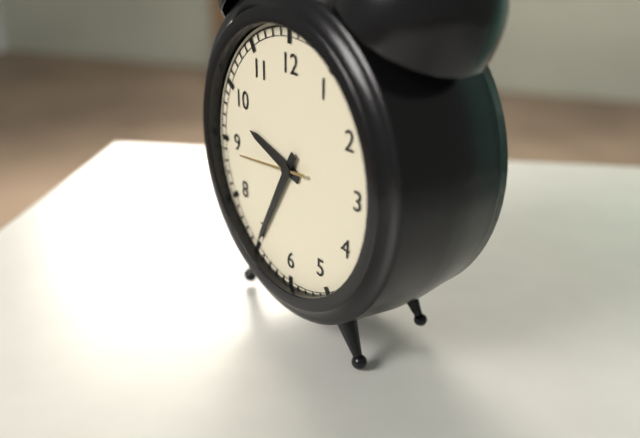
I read {"hour": 9, "minute": 35, "second": 44}
